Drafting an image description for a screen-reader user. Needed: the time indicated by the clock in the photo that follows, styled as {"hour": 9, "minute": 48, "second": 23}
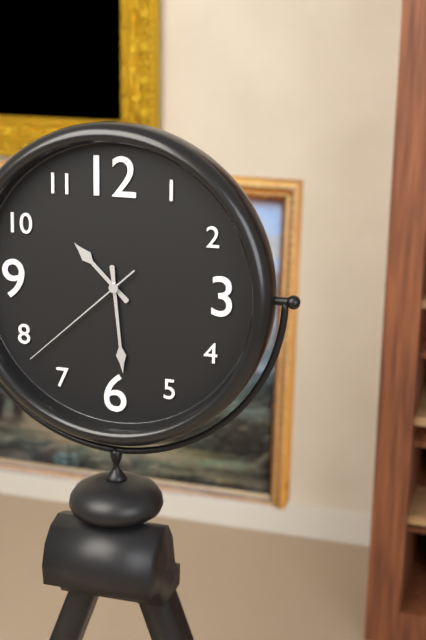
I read {"hour": 10, "minute": 29, "second": 38}
